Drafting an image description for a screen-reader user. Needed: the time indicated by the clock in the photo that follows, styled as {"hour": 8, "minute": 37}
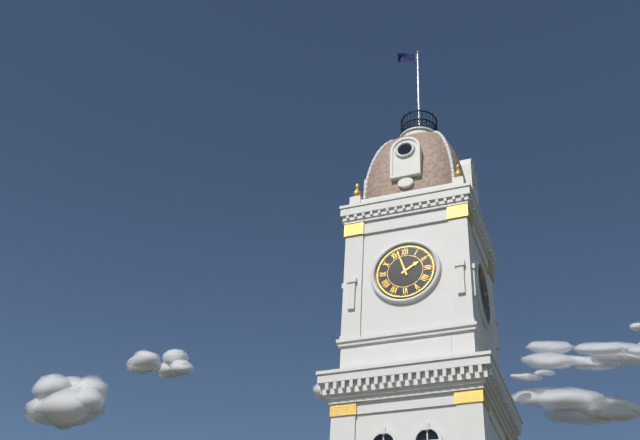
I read {"hour": 1, "minute": 57}
